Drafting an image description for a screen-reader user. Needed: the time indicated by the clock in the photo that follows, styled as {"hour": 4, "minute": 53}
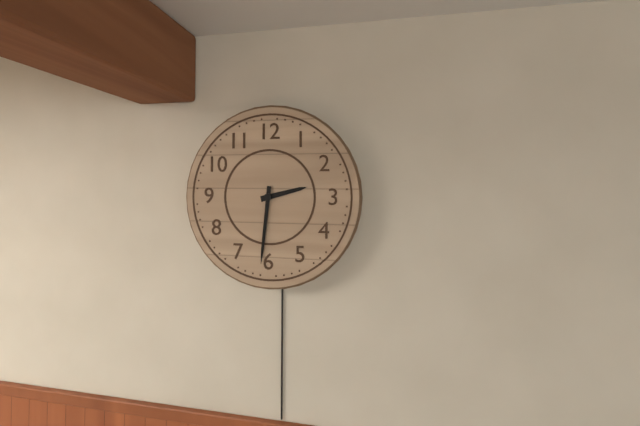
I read {"hour": 2, "minute": 31}
